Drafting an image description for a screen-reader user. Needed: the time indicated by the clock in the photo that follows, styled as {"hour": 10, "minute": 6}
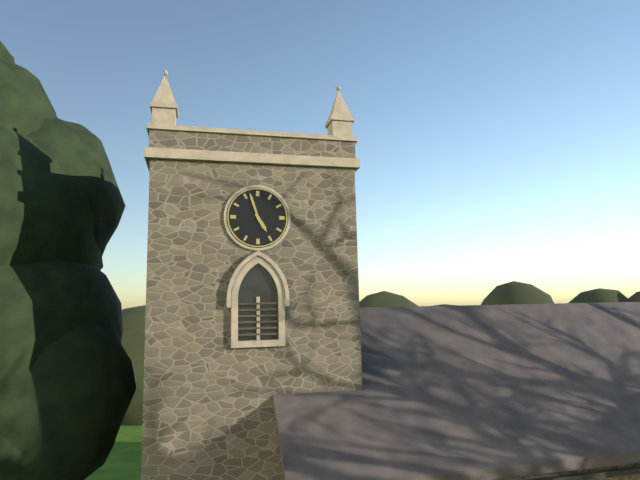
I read {"hour": 4, "minute": 57}
